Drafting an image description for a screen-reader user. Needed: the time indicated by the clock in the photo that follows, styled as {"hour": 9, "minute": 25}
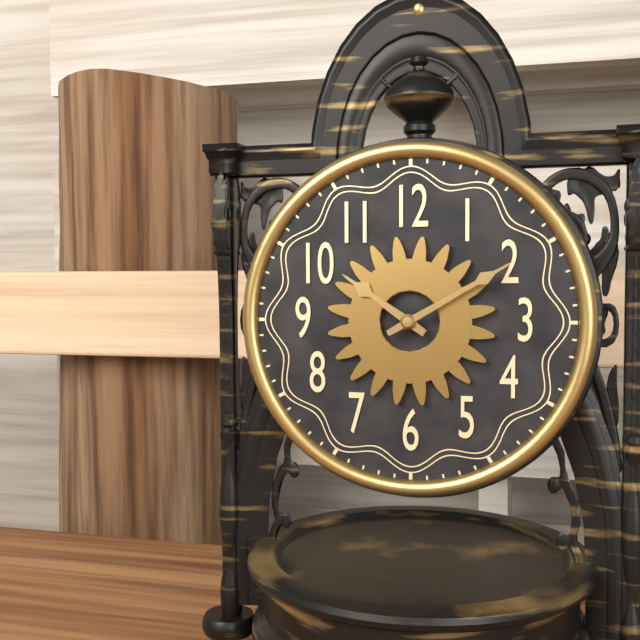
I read {"hour": 10, "minute": 10}
